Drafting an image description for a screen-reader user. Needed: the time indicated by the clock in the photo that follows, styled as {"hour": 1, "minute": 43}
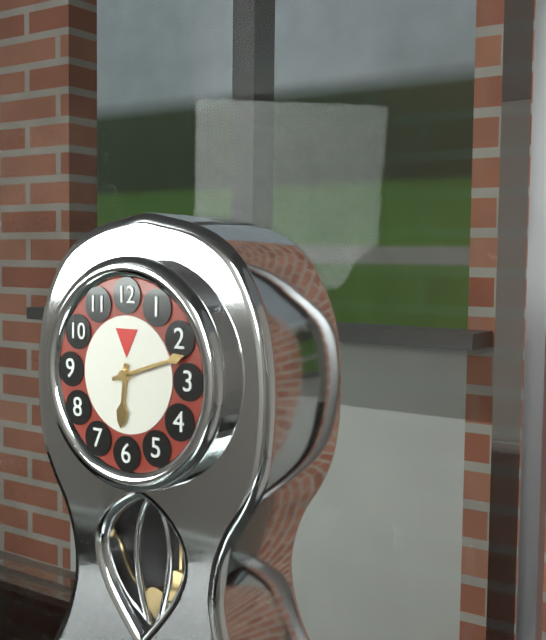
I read {"hour": 6, "minute": 12}
